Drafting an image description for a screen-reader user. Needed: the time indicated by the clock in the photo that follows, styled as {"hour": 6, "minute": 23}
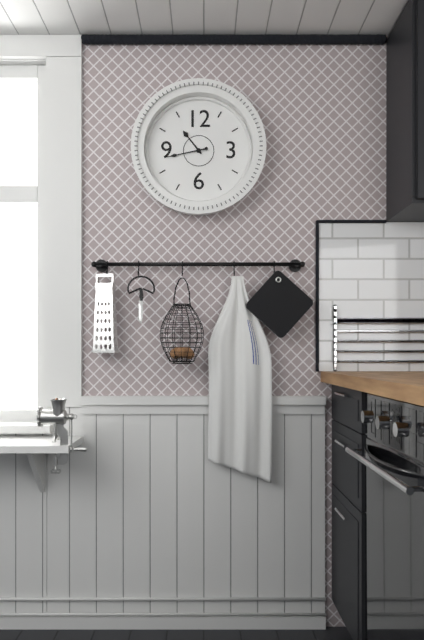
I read {"hour": 10, "minute": 43}
